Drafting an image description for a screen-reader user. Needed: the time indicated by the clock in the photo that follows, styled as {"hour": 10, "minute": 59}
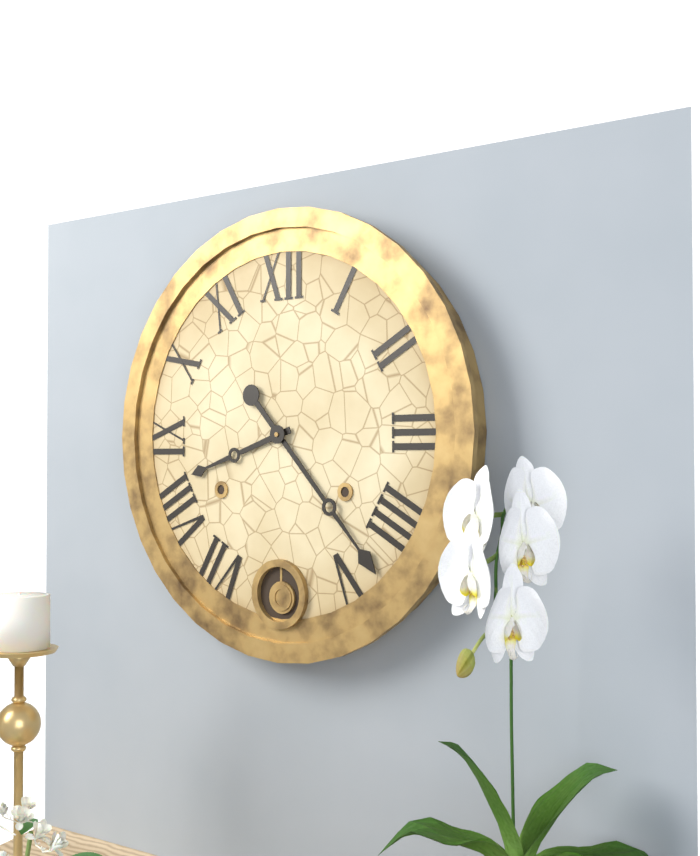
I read {"hour": 8, "minute": 23}
